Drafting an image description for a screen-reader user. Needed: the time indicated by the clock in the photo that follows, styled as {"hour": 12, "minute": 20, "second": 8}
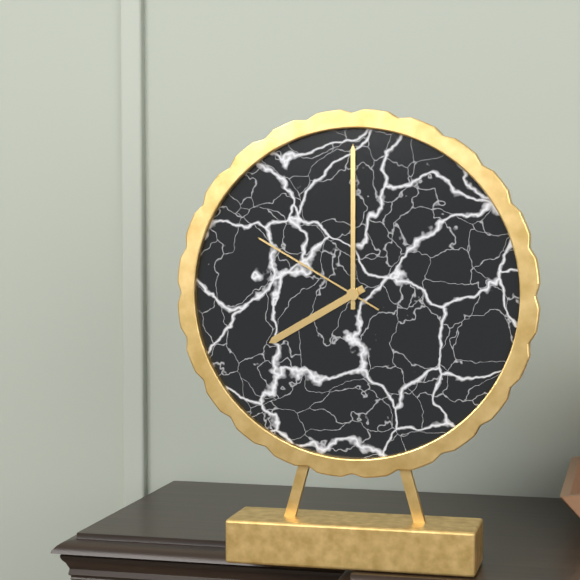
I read {"hour": 8, "minute": 0, "second": 50}
